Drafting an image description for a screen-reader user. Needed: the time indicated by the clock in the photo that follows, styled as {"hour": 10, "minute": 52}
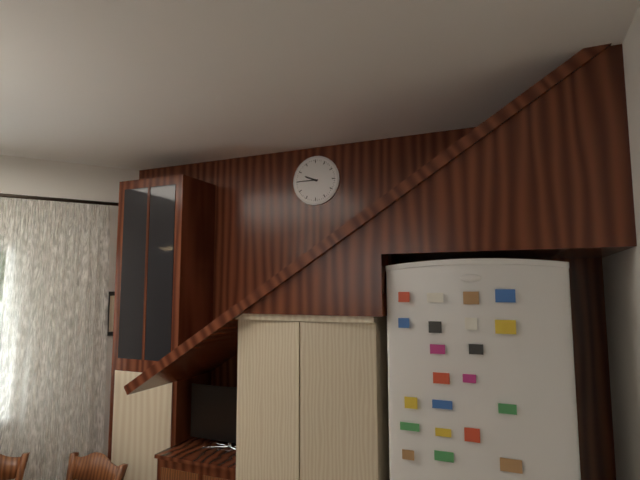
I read {"hour": 9, "minute": 45}
